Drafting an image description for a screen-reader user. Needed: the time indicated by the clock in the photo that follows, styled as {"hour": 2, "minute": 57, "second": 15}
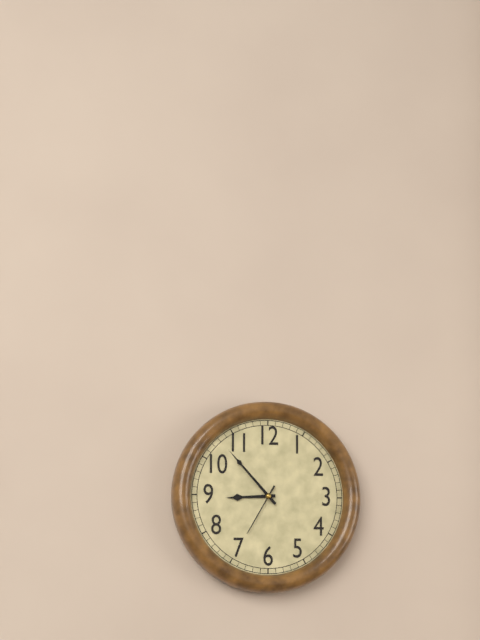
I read {"hour": 8, "minute": 53, "second": 35}
